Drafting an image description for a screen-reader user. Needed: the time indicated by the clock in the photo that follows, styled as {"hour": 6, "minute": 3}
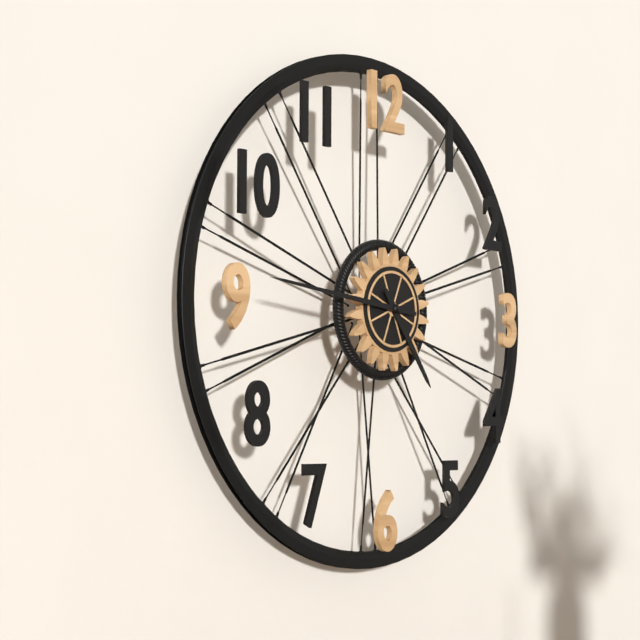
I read {"hour": 4, "minute": 46}
